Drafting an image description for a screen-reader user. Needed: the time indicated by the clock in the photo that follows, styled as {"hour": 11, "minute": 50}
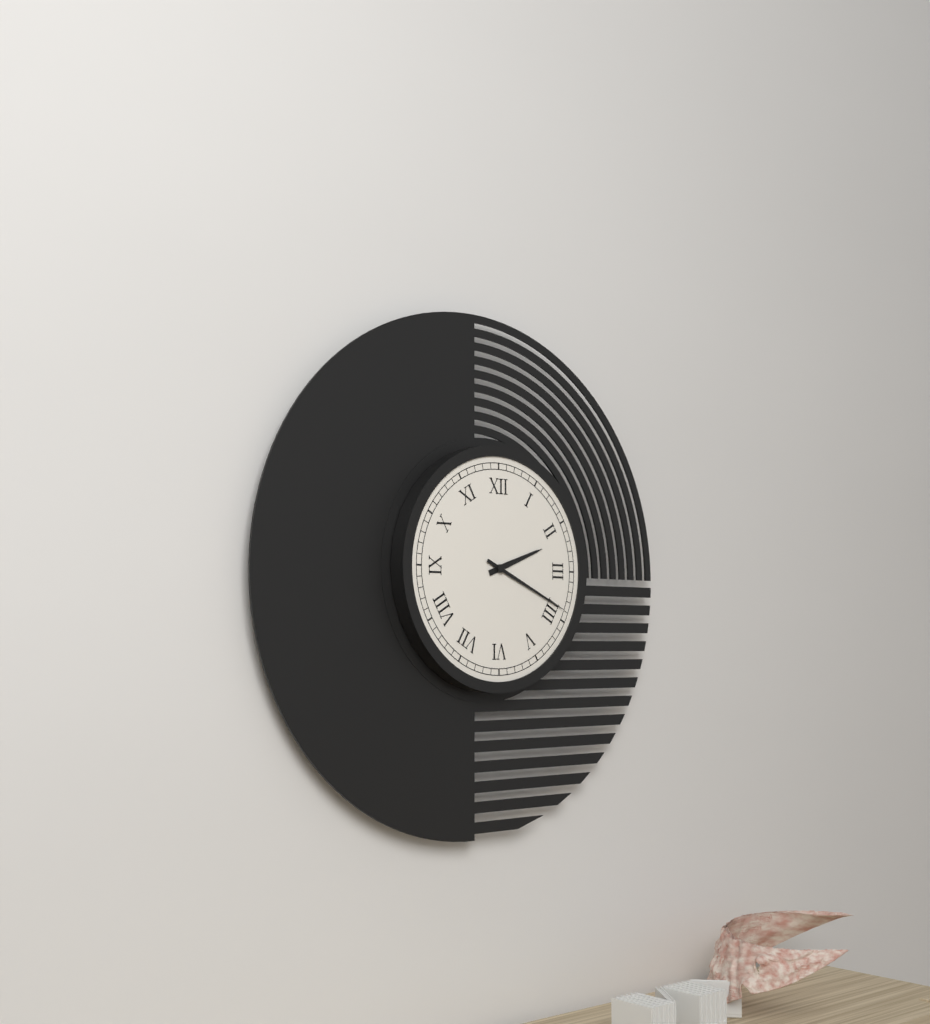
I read {"hour": 2, "minute": 19}
